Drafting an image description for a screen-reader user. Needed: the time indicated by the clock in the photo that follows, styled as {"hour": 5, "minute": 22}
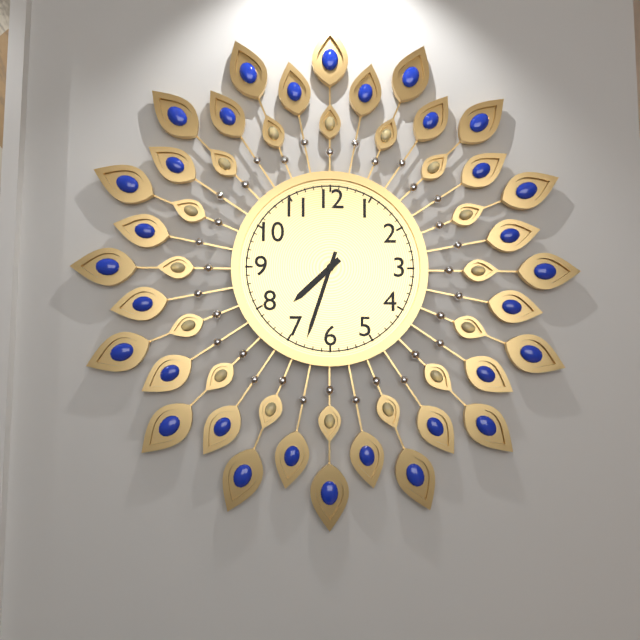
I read {"hour": 7, "minute": 33}
